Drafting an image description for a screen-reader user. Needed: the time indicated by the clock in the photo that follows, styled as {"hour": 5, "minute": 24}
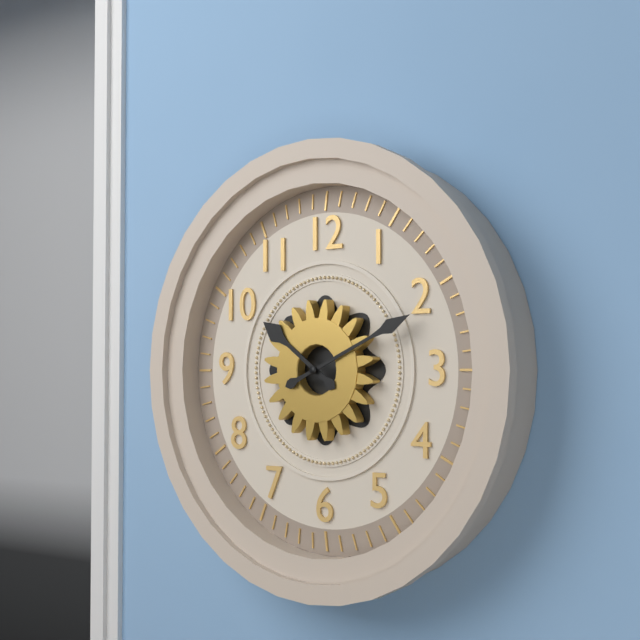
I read {"hour": 10, "minute": 11}
